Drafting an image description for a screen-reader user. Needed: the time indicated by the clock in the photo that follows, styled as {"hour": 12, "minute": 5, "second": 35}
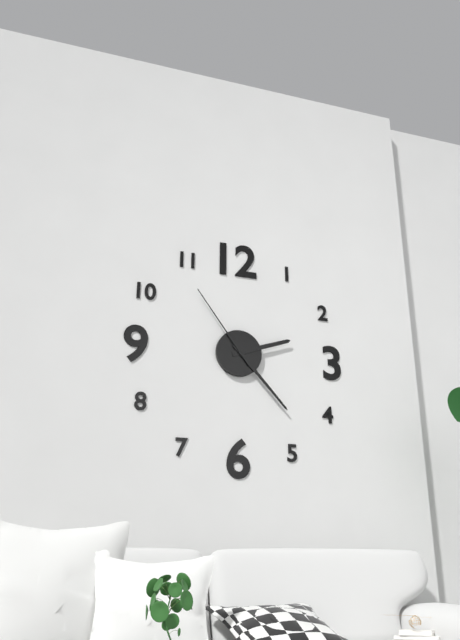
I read {"hour": 2, "minute": 23, "second": 54}
